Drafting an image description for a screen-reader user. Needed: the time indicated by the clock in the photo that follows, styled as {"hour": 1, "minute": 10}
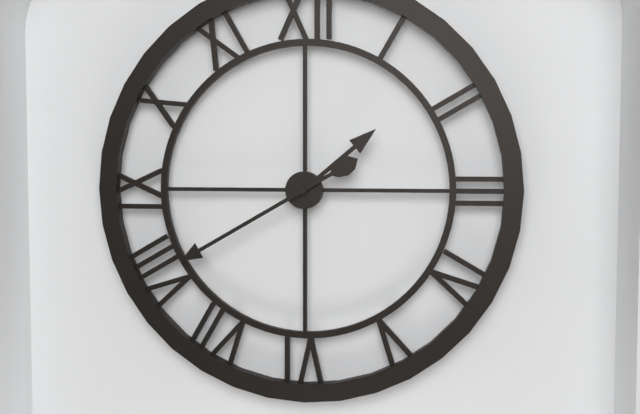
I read {"hour": 1, "minute": 40}
